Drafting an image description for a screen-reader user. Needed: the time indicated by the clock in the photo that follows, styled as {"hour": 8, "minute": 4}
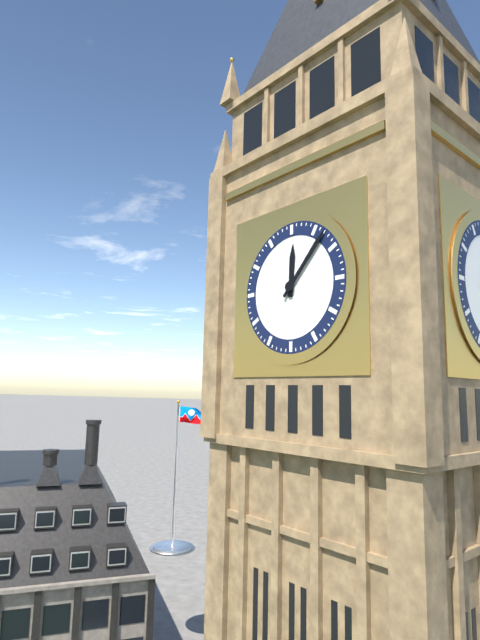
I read {"hour": 12, "minute": 7}
